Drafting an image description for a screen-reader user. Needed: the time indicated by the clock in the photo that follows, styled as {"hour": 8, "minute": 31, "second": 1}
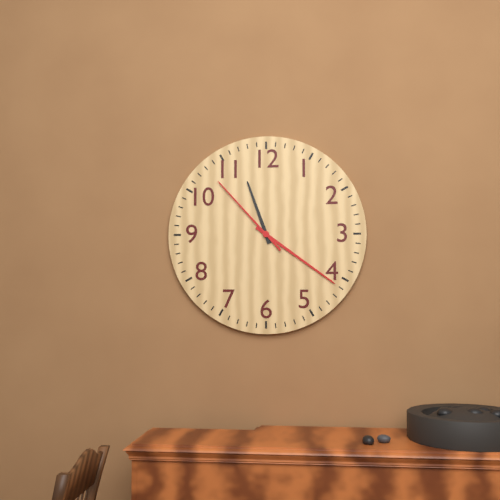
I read {"hour": 11, "minute": 21, "second": 53}
